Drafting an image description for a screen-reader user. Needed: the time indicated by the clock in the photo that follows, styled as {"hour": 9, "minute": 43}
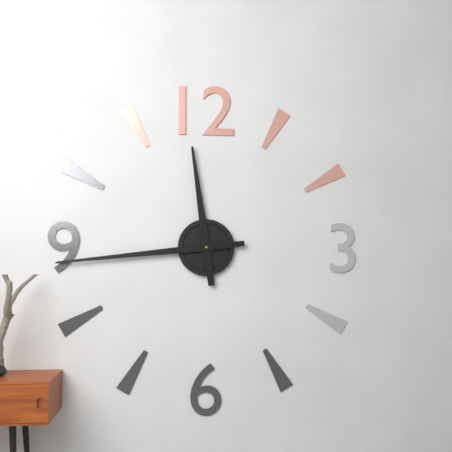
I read {"hour": 11, "minute": 44}
